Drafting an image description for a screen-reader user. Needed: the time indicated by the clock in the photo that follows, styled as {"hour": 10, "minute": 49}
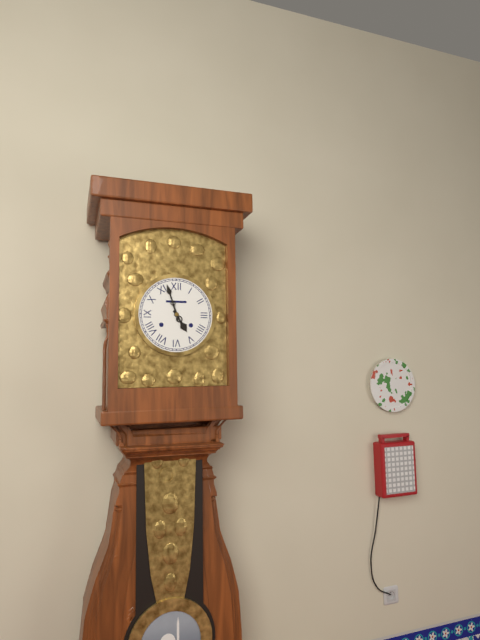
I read {"hour": 4, "minute": 57}
